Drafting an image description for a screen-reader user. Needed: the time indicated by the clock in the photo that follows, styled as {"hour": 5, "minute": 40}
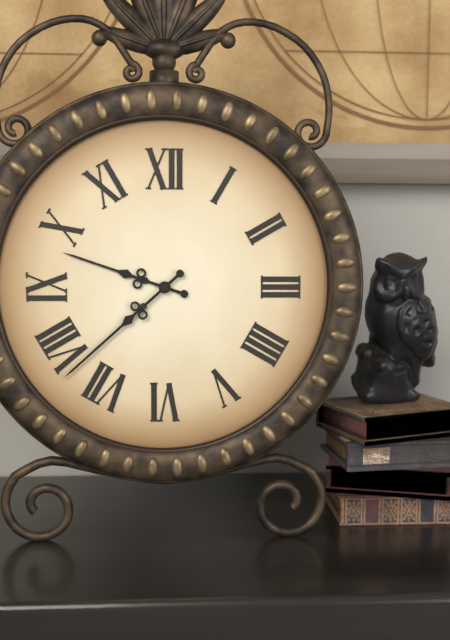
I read {"hour": 9, "minute": 38}
